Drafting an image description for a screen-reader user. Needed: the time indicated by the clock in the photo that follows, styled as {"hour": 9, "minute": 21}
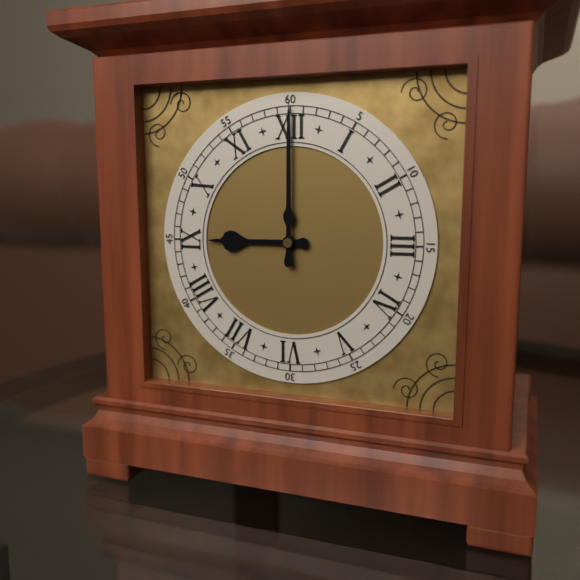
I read {"hour": 9, "minute": 0}
